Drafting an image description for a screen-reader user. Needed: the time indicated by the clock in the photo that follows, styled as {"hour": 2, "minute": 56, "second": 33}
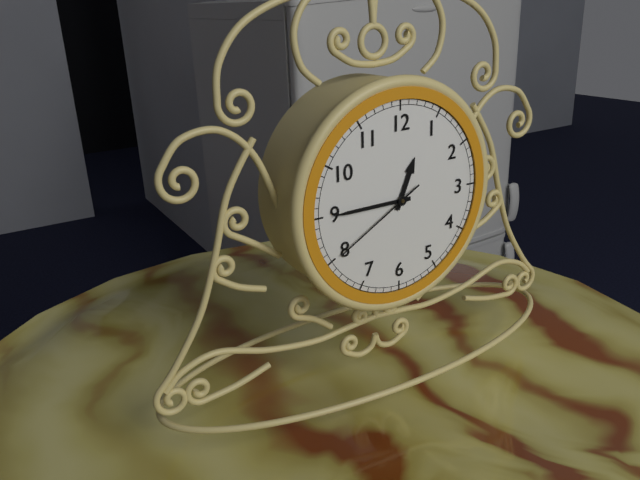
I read {"hour": 12, "minute": 45, "second": 40}
